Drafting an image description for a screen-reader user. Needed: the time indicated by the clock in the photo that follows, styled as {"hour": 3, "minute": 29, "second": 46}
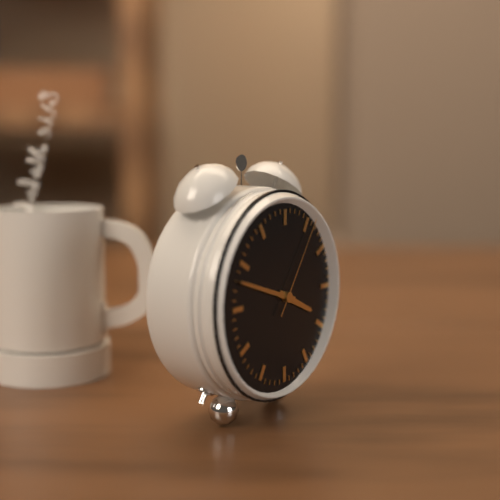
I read {"hour": 3, "minute": 48, "second": 6}
